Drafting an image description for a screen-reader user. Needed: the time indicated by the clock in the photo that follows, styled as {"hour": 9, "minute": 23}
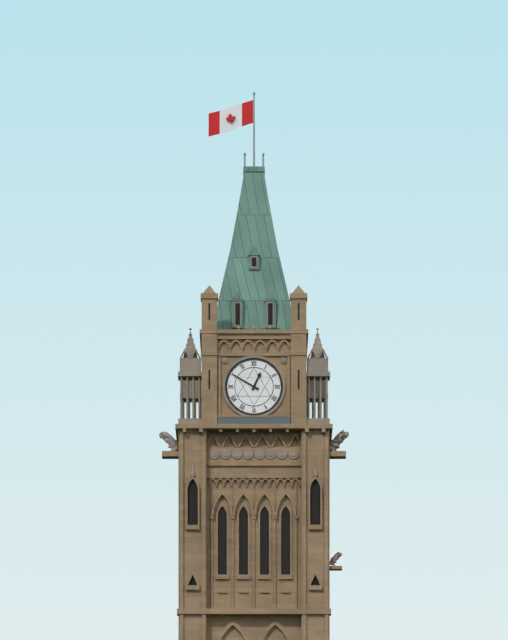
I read {"hour": 12, "minute": 50}
